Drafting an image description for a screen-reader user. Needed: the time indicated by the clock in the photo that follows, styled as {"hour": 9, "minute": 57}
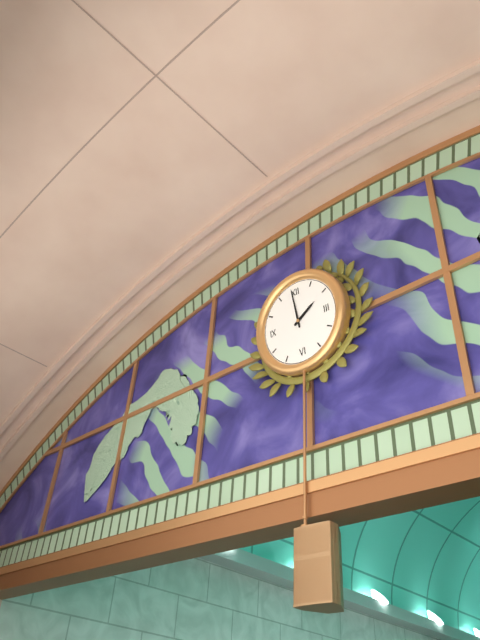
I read {"hour": 1, "minute": 59}
